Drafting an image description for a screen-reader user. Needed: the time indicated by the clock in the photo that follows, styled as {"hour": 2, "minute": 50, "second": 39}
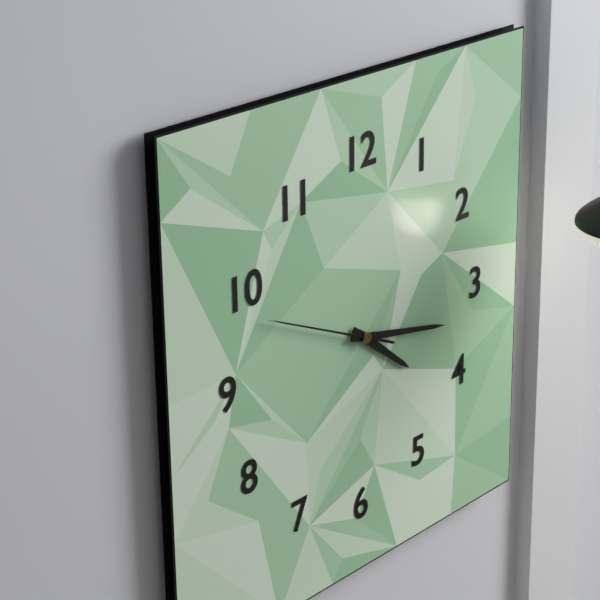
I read {"hour": 4, "minute": 17, "second": 49}
